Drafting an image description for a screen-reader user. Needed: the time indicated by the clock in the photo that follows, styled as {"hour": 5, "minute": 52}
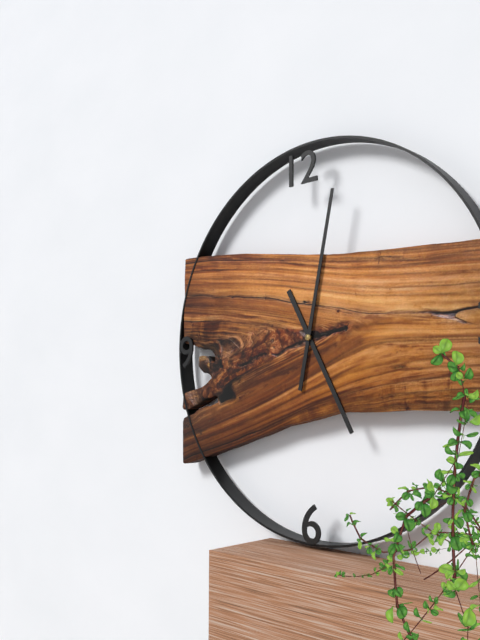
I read {"hour": 5, "minute": 2}
